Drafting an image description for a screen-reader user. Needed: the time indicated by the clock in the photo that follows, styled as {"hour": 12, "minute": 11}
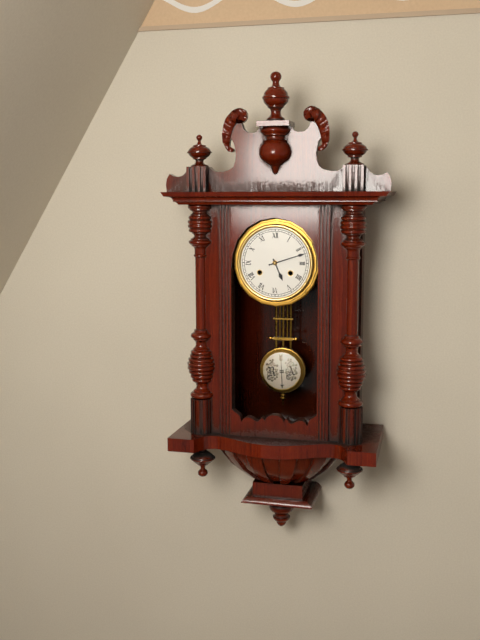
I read {"hour": 5, "minute": 12}
